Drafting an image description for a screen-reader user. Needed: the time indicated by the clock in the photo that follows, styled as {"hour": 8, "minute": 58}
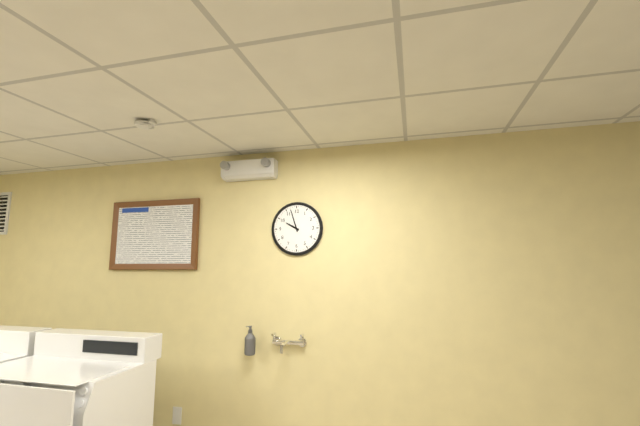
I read {"hour": 9, "minute": 57}
